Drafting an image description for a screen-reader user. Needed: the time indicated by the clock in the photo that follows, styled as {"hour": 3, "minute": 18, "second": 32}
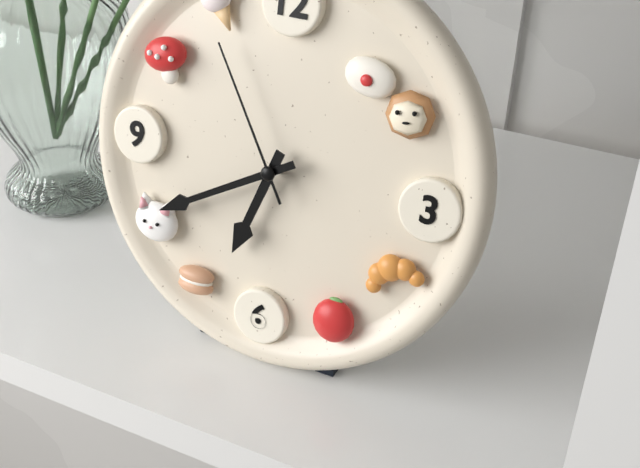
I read {"hour": 6, "minute": 40, "second": 55}
